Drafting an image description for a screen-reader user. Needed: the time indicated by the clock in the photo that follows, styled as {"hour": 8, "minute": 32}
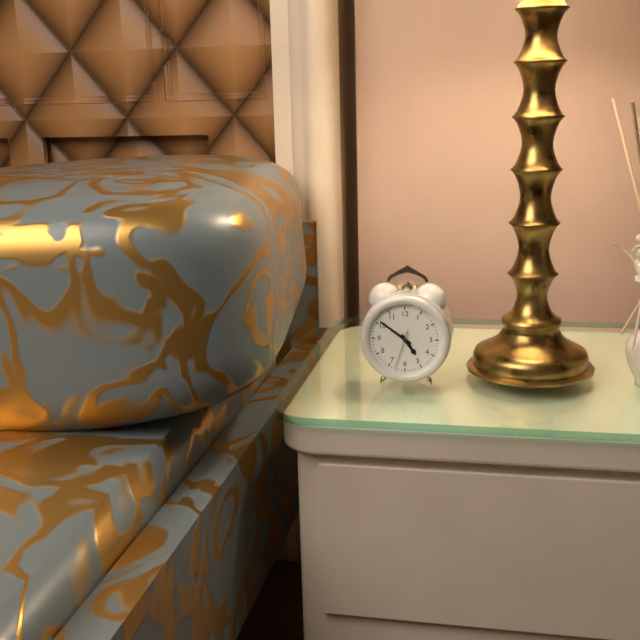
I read {"hour": 4, "minute": 51}
